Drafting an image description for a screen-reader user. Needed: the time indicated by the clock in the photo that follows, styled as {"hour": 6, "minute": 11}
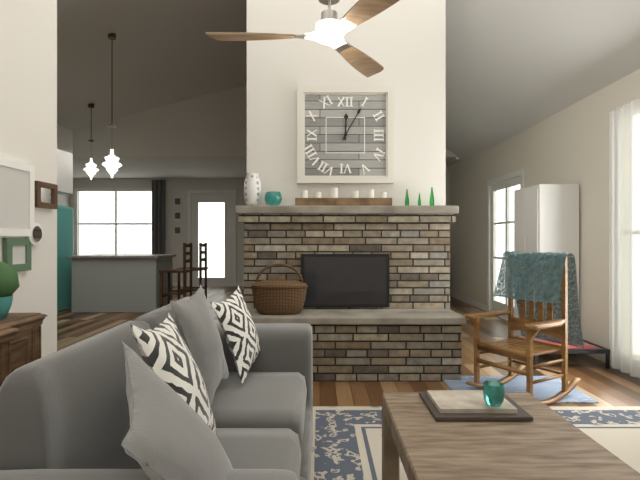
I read {"hour": 12, "minute": 5}
